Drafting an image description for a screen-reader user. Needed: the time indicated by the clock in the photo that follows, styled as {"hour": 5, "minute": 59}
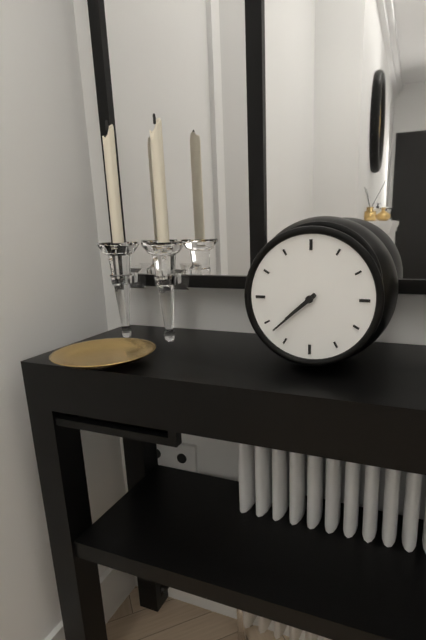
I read {"hour": 7, "minute": 38}
